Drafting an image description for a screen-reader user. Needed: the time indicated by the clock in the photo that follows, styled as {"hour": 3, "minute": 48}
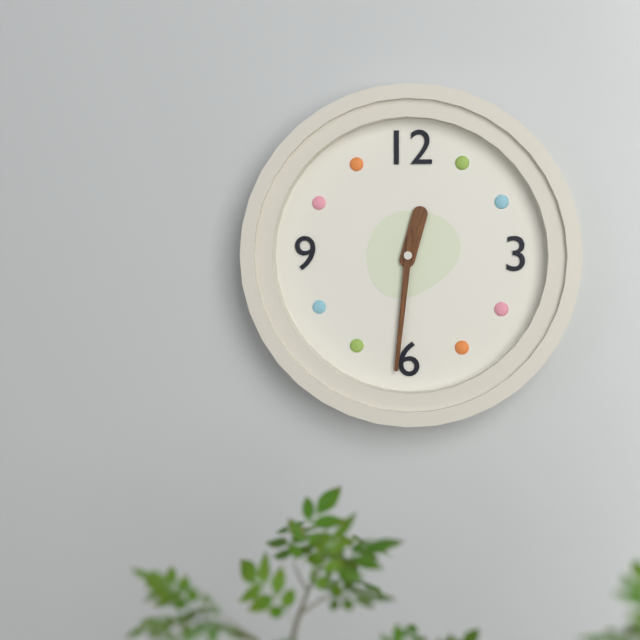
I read {"hour": 12, "minute": 31}
